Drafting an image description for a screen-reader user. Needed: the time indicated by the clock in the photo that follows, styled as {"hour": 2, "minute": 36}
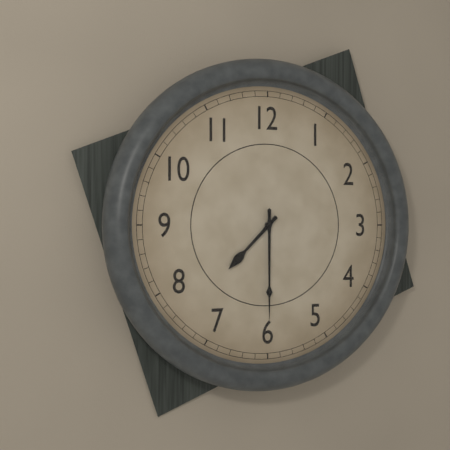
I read {"hour": 7, "minute": 30}
